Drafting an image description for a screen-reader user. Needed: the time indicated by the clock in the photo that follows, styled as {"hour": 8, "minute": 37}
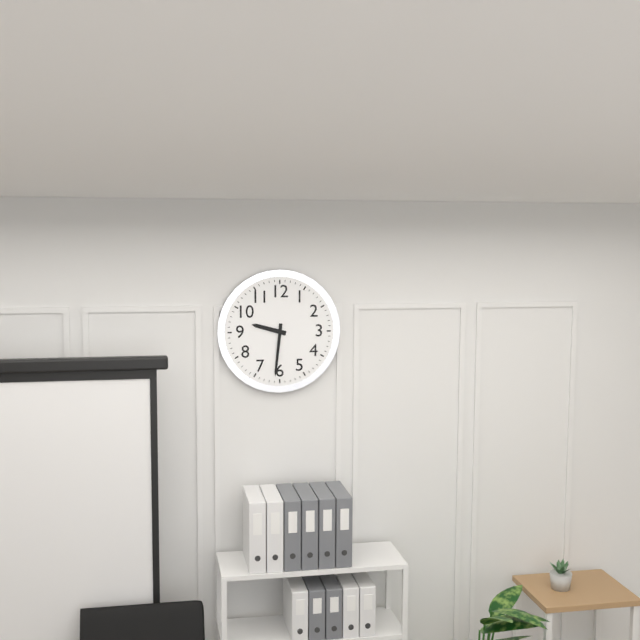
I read {"hour": 9, "minute": 31}
